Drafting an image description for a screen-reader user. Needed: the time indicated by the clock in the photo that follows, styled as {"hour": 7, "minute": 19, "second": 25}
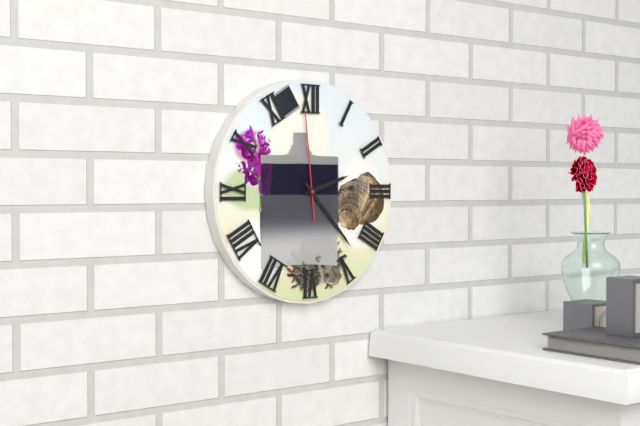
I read {"hour": 2, "minute": 23, "second": 59}
